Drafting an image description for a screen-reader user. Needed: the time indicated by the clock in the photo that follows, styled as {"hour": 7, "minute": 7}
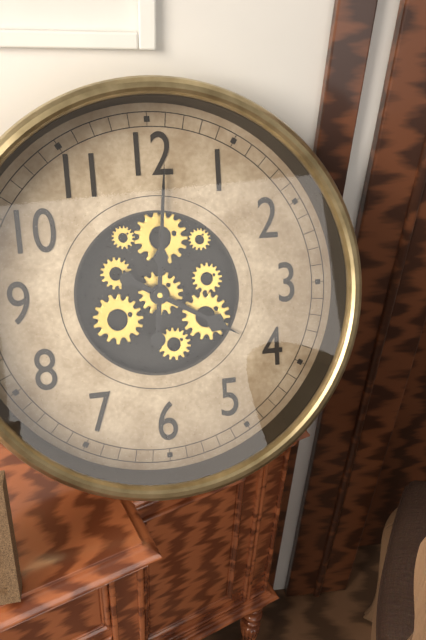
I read {"hour": 4, "minute": 1}
